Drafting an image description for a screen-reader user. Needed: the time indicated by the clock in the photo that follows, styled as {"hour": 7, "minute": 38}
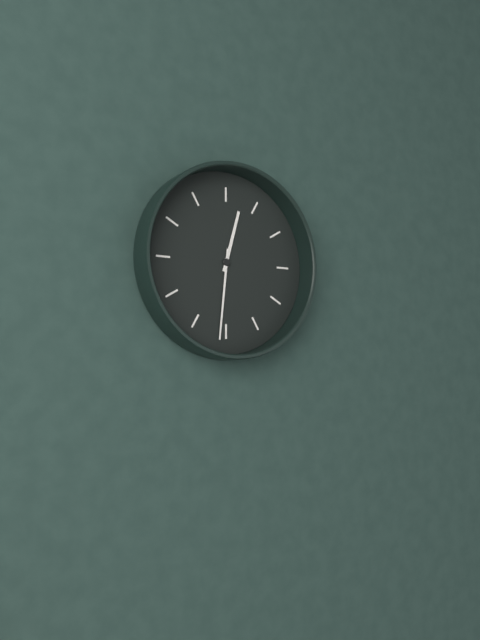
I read {"hour": 12, "minute": 31}
